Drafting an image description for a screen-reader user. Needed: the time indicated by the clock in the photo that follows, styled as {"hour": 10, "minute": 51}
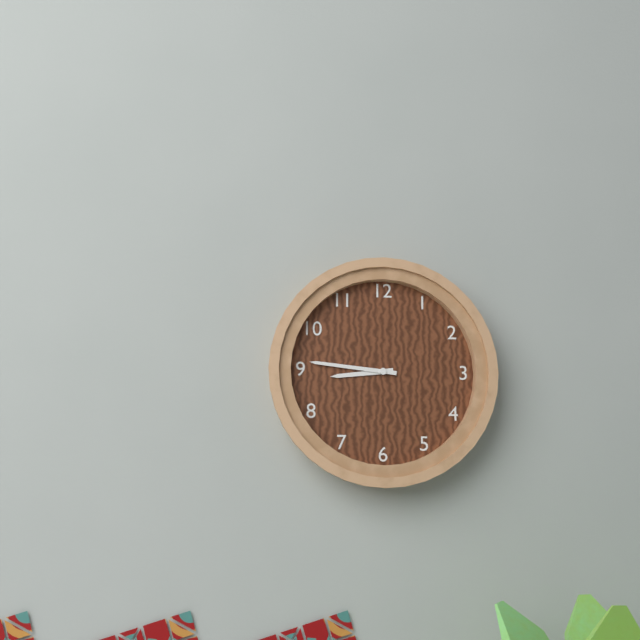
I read {"hour": 8, "minute": 46}
